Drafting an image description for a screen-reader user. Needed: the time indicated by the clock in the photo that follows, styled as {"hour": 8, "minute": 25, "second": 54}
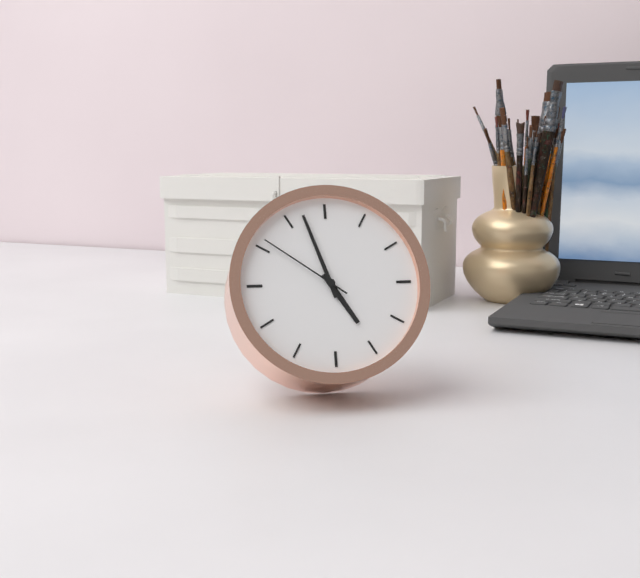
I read {"hour": 4, "minute": 57, "second": 51}
